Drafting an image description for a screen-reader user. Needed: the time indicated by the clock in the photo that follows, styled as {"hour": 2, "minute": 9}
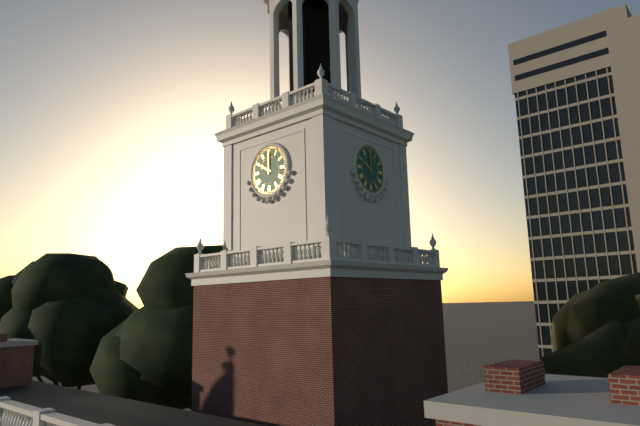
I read {"hour": 10, "minute": 0}
